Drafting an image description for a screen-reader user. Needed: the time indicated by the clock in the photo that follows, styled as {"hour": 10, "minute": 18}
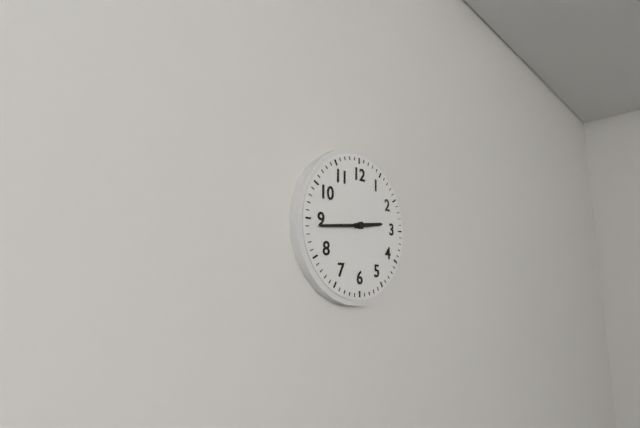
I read {"hour": 2, "minute": 44}
